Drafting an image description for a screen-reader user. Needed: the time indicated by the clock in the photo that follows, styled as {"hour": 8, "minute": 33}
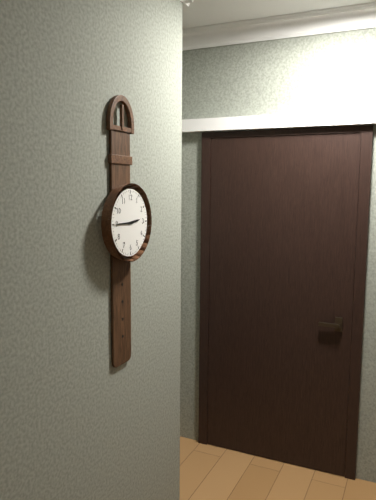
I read {"hour": 2, "minute": 45}
